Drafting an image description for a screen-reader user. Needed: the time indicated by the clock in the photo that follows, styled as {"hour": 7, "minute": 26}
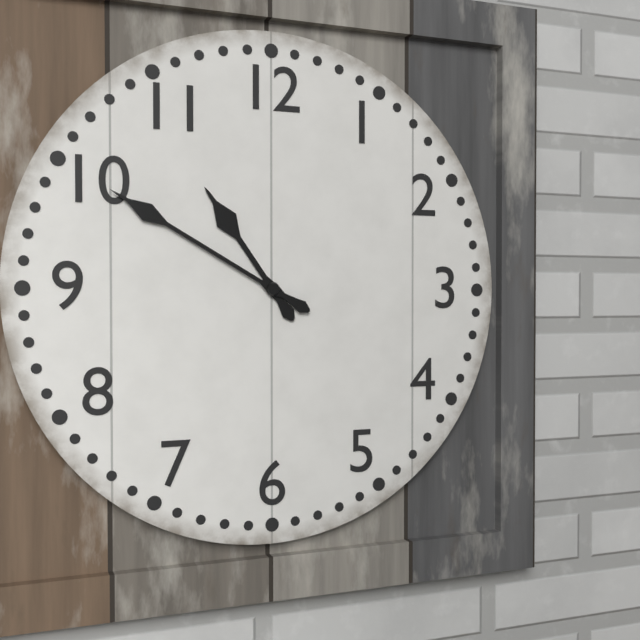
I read {"hour": 10, "minute": 50}
